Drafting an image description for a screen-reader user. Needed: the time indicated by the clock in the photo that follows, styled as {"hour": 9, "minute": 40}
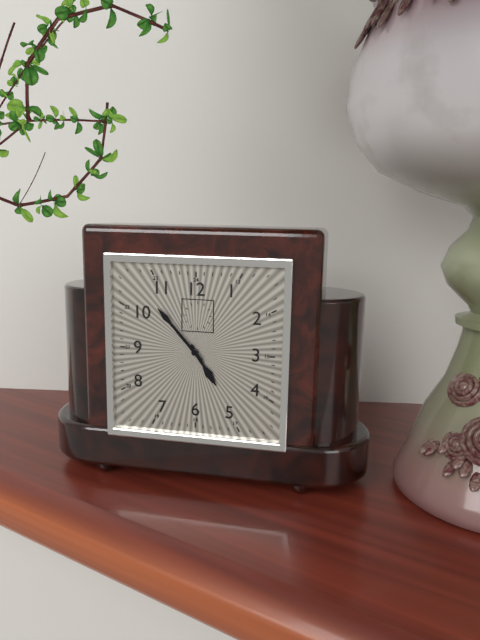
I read {"hour": 4, "minute": 53}
